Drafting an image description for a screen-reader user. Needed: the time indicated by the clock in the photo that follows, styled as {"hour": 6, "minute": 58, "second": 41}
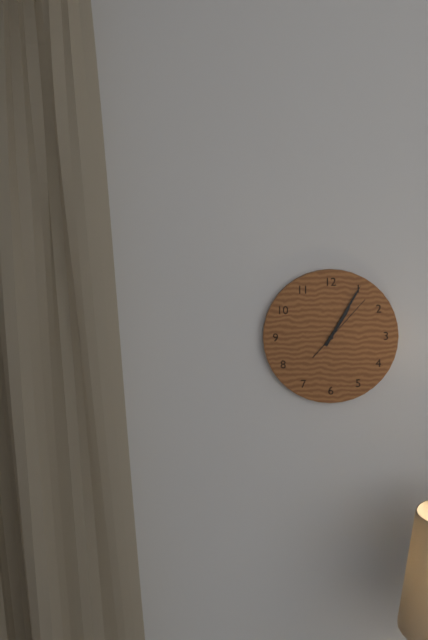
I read {"hour": 1, "minute": 5, "second": 7}
